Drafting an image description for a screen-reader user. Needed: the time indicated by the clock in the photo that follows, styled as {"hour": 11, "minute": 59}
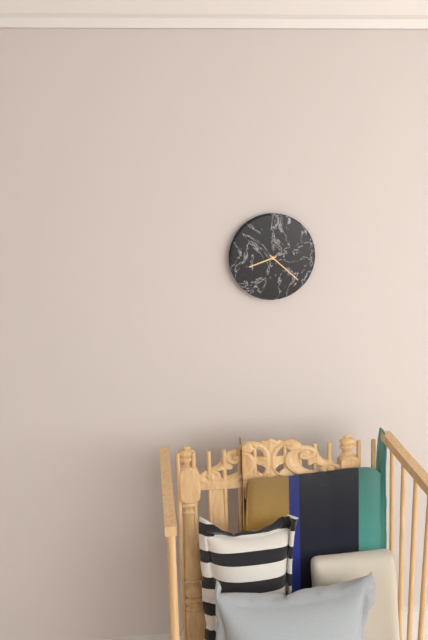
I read {"hour": 8, "minute": 22}
